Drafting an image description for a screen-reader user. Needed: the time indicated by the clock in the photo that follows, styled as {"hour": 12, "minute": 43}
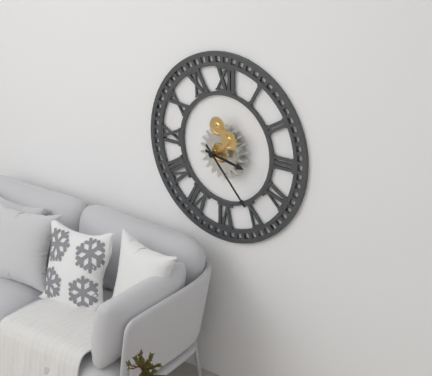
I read {"hour": 3, "minute": 23}
